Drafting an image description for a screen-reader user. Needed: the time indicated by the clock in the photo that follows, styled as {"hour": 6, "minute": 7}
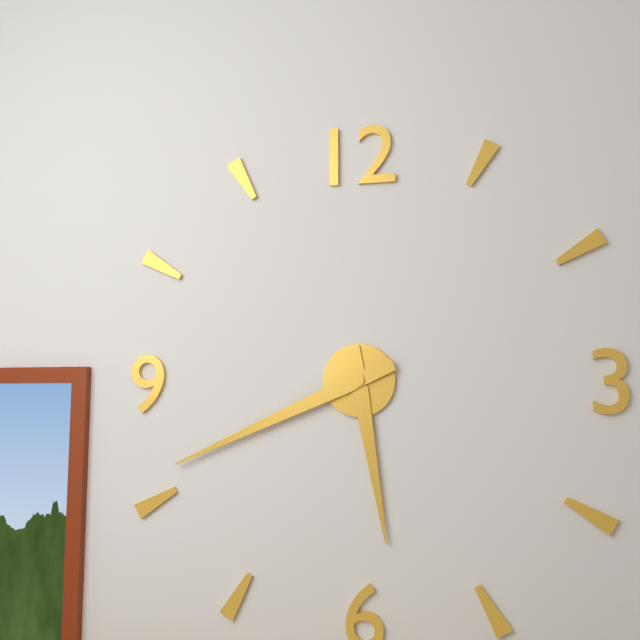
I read {"hour": 5, "minute": 41}
